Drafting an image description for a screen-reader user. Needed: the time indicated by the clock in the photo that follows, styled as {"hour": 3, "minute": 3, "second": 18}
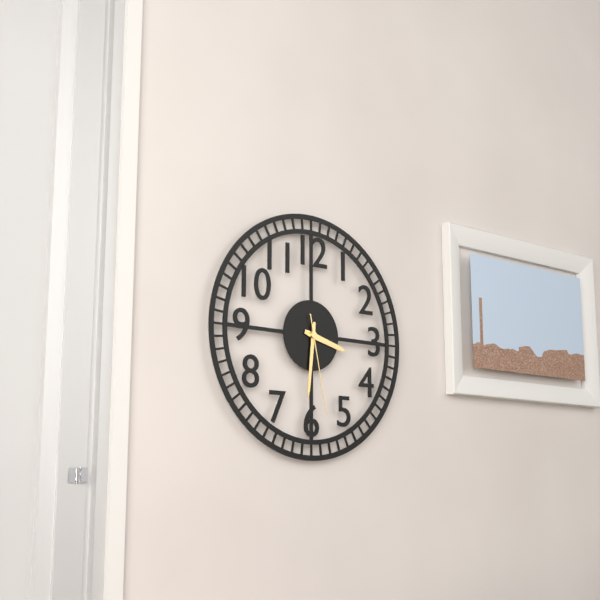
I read {"hour": 3, "minute": 31, "second": 28}
